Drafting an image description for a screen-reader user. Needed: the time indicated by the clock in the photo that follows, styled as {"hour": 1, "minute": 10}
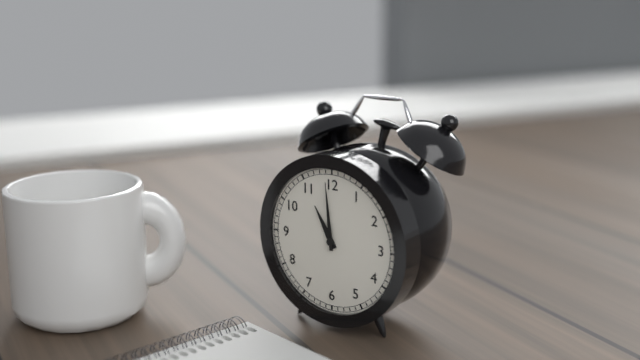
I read {"hour": 10, "minute": 59}
